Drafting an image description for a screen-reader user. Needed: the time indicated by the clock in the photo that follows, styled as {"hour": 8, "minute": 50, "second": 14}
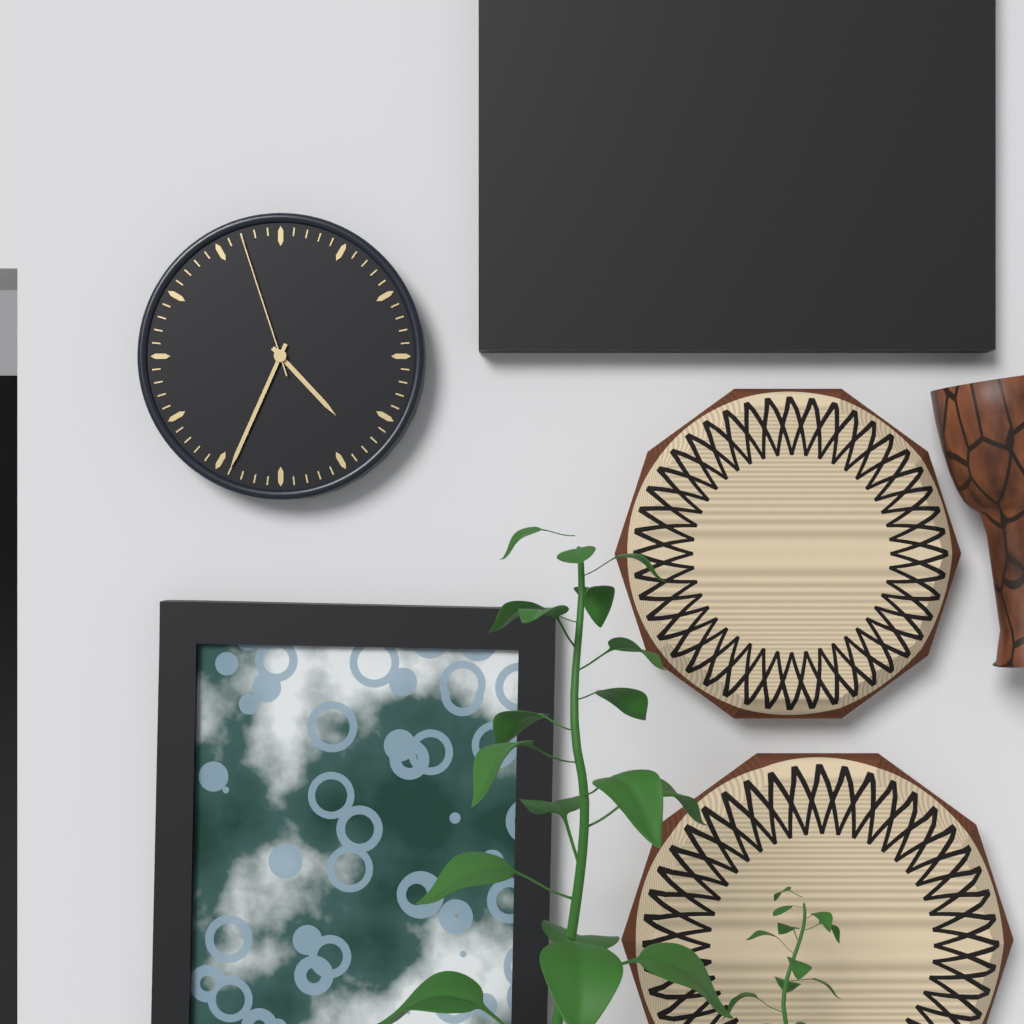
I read {"hour": 4, "minute": 34, "second": 57}
